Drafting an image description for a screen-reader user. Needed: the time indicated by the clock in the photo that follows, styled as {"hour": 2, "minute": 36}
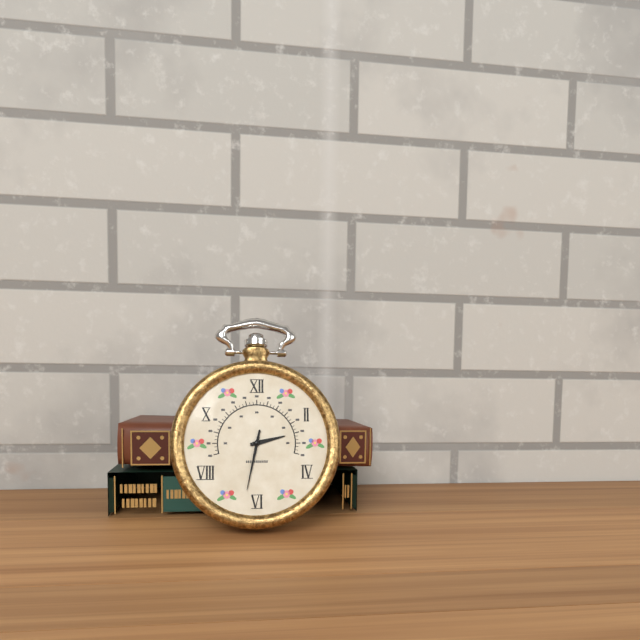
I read {"hour": 2, "minute": 32}
